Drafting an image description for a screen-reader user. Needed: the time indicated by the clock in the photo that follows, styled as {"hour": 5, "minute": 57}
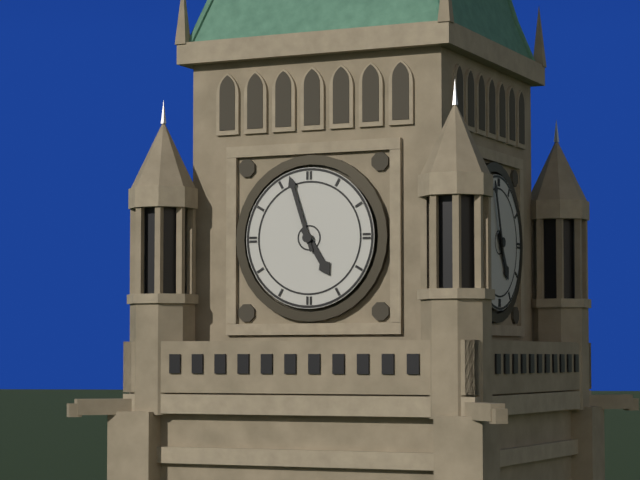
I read {"hour": 4, "minute": 57}
